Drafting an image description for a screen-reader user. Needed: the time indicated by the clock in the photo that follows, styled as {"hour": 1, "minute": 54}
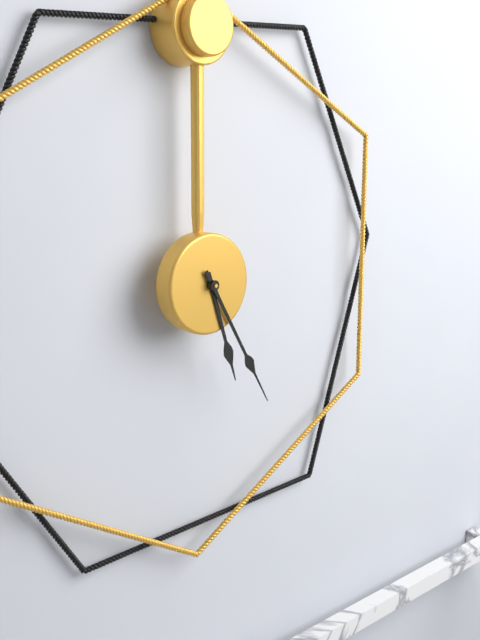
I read {"hour": 5, "minute": 25}
